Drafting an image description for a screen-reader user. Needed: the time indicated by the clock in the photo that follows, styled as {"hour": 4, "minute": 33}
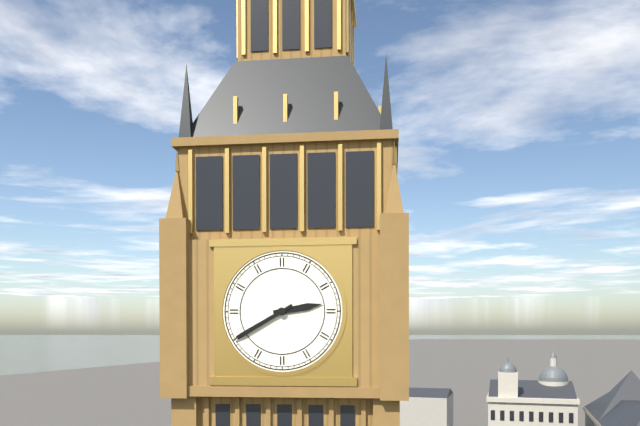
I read {"hour": 2, "minute": 40}
